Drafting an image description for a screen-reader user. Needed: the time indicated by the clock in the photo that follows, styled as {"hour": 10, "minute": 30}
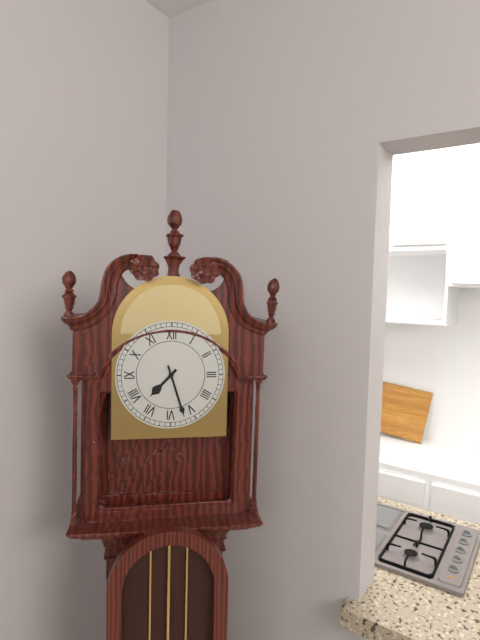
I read {"hour": 7, "minute": 27}
